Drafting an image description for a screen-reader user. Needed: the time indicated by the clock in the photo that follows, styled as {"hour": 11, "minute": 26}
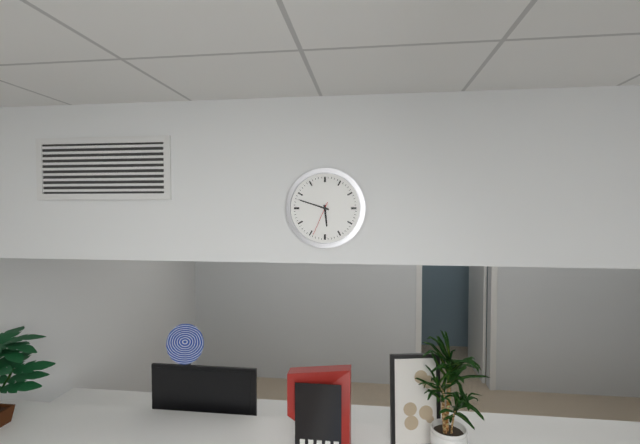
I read {"hour": 5, "minute": 48}
